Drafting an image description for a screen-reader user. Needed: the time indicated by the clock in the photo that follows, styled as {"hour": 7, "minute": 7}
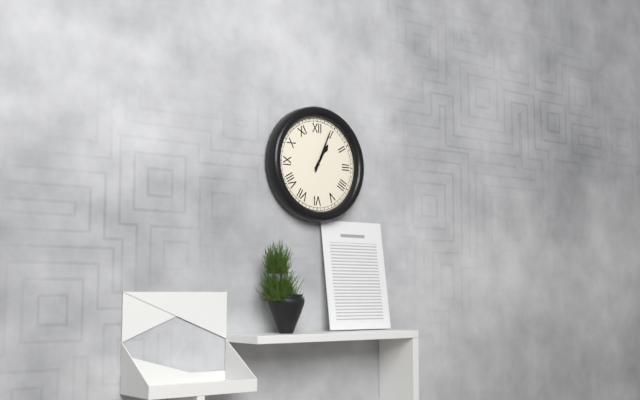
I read {"hour": 1, "minute": 4}
